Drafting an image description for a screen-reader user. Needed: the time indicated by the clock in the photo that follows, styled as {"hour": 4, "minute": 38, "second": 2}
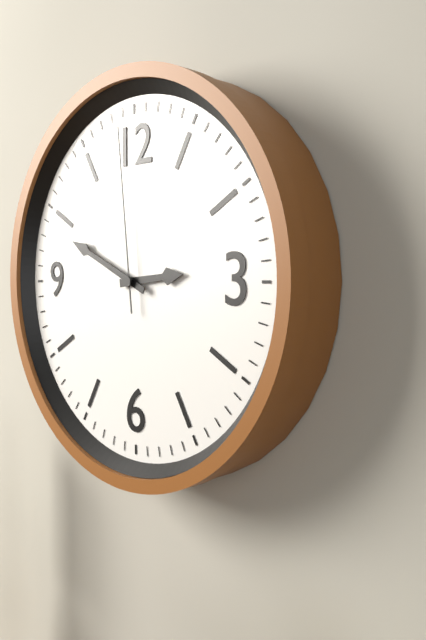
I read {"hour": 2, "minute": 49, "second": 59}
